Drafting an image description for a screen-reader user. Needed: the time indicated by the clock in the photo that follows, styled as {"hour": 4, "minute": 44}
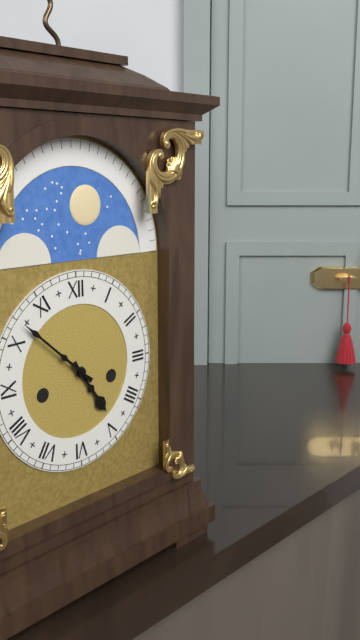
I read {"hour": 4, "minute": 52}
